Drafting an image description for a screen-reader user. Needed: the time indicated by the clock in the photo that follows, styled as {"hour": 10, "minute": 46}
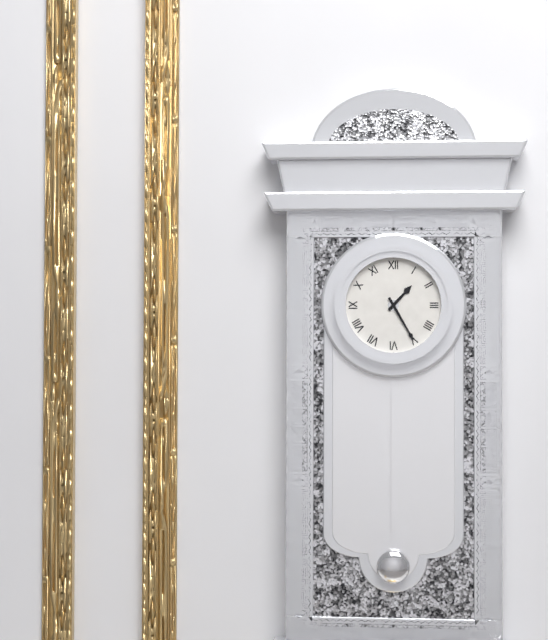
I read {"hour": 1, "minute": 25}
